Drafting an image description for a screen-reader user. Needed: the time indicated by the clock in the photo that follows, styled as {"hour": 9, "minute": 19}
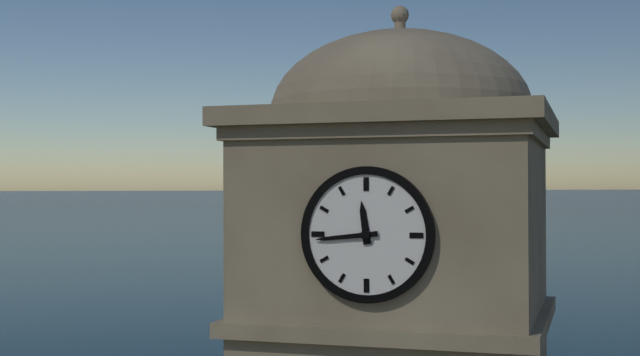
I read {"hour": 11, "minute": 44}
